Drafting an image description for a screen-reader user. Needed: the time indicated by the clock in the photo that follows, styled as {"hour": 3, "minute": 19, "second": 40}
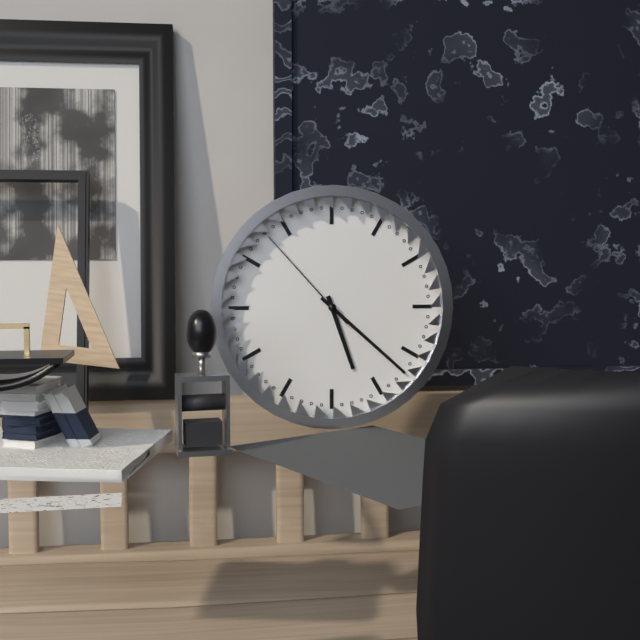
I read {"hour": 5, "minute": 22, "second": 53}
